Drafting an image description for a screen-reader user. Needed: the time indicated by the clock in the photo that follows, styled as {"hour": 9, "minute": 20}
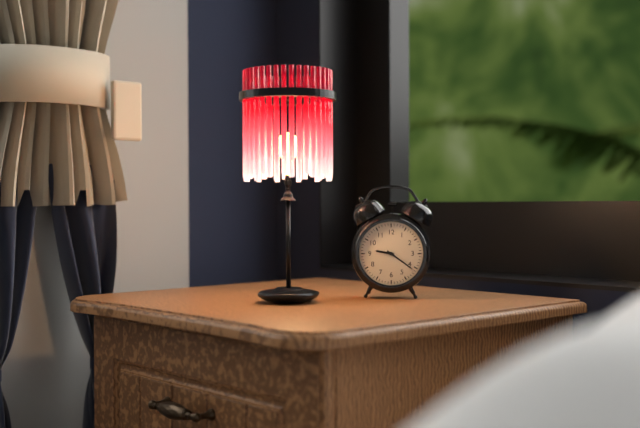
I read {"hour": 9, "minute": 21}
